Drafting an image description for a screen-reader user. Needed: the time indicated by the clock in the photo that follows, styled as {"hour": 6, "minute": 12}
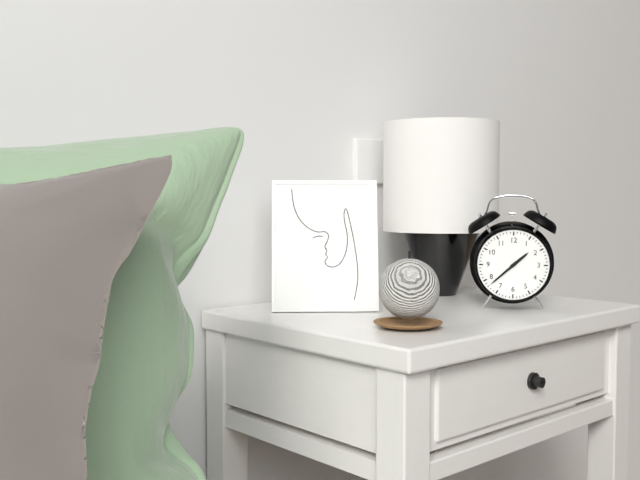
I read {"hour": 1, "minute": 38}
